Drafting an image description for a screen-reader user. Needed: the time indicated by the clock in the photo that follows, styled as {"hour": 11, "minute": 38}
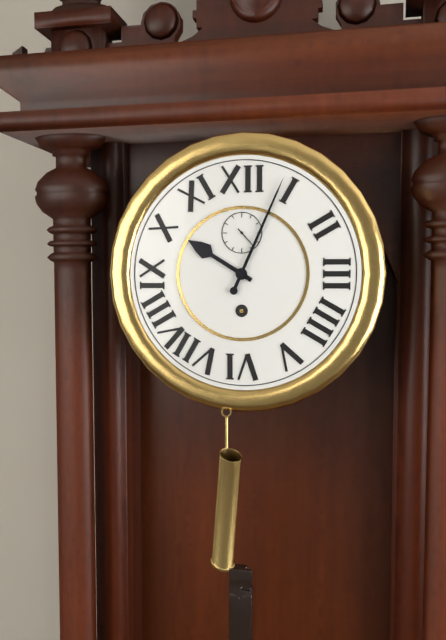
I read {"hour": 10, "minute": 4}
